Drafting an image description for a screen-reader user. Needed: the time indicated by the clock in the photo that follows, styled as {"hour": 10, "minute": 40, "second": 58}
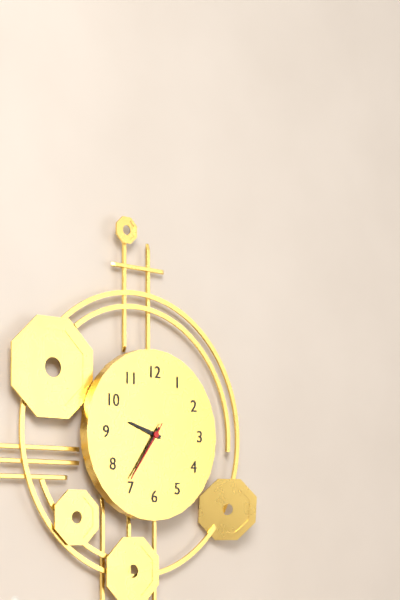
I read {"hour": 9, "minute": 36, "second": 36}
